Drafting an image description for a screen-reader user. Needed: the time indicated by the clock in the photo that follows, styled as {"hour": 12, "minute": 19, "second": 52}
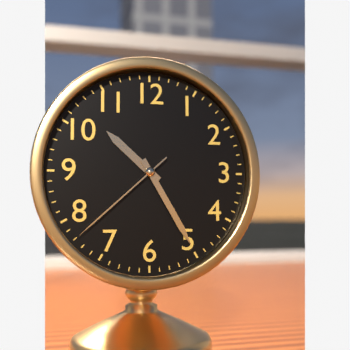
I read {"hour": 10, "minute": 25, "second": 38}
